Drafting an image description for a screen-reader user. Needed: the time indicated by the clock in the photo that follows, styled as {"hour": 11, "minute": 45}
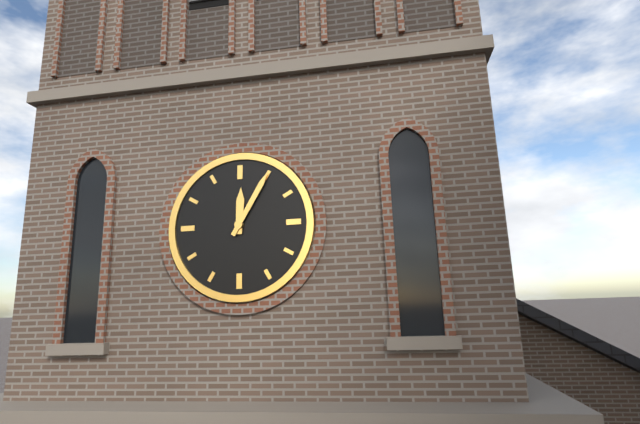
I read {"hour": 12, "minute": 5}
